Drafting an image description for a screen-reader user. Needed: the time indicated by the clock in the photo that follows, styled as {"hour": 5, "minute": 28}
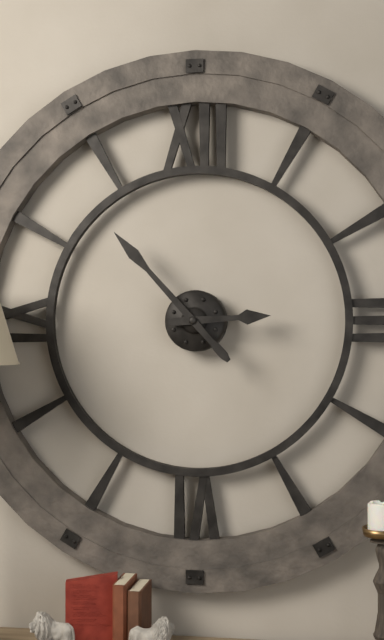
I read {"hour": 2, "minute": 53}
